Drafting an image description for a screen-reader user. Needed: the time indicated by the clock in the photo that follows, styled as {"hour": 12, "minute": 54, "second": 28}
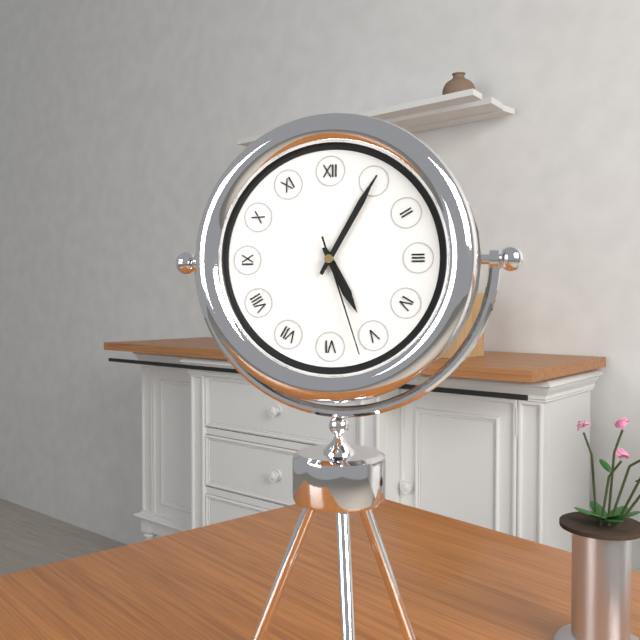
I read {"hour": 5, "minute": 5, "second": 27}
